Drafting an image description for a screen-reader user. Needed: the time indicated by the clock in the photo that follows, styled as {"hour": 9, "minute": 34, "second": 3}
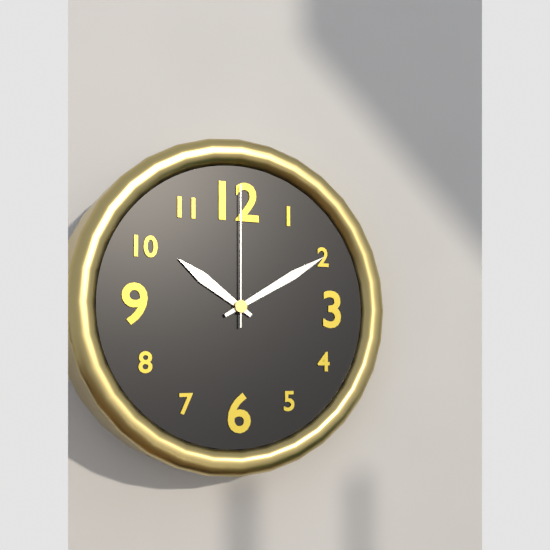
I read {"hour": 10, "minute": 10, "second": 0}
